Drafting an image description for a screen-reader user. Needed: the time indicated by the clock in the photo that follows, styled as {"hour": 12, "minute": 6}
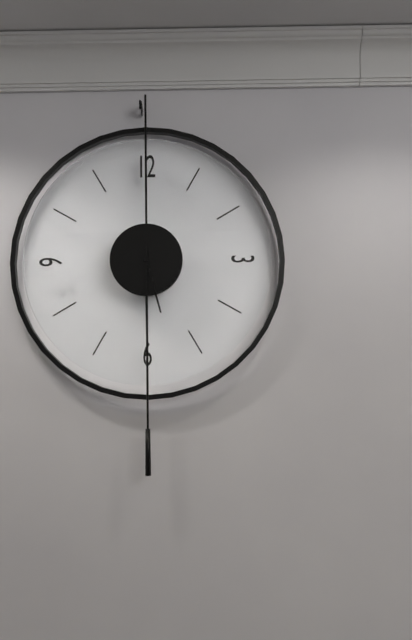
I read {"hour": 5, "minute": 30}
